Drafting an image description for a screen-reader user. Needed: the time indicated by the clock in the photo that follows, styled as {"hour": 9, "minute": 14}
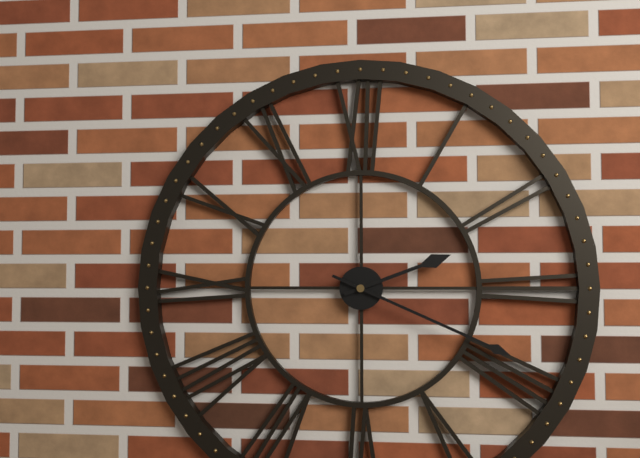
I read {"hour": 2, "minute": 19}
